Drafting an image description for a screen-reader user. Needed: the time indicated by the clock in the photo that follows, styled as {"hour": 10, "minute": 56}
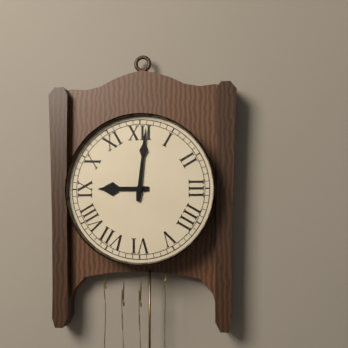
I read {"hour": 9, "minute": 1}
